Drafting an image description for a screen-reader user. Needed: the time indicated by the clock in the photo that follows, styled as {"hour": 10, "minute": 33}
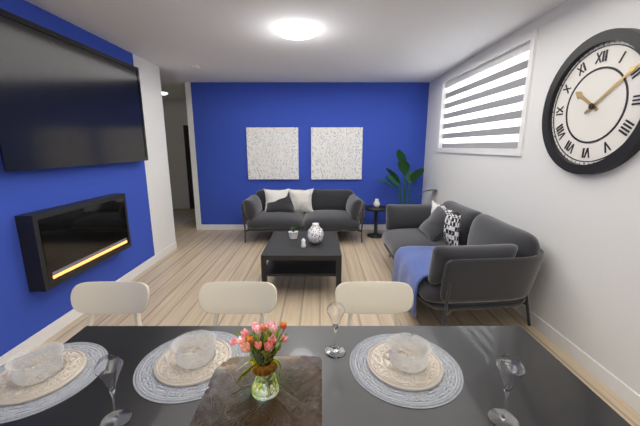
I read {"hour": 10, "minute": 9}
